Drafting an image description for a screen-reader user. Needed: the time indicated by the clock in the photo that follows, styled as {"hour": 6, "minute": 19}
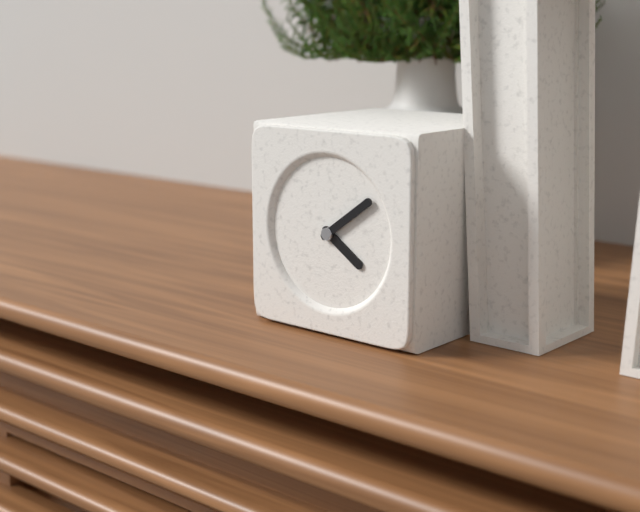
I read {"hour": 4, "minute": 9}
